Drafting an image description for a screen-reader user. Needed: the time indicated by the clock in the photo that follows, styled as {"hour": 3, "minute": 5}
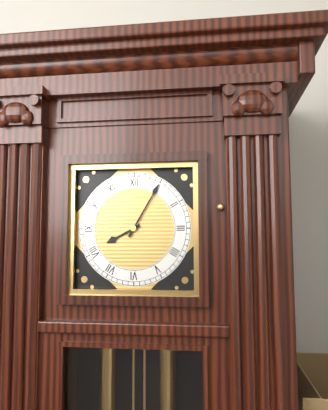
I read {"hour": 8, "minute": 5}
